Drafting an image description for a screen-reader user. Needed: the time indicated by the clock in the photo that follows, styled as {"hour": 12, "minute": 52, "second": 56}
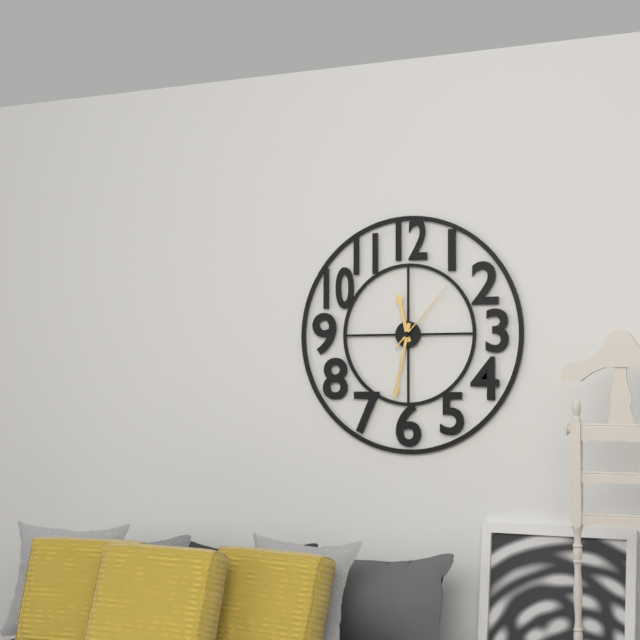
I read {"hour": 11, "minute": 32, "second": 7}
